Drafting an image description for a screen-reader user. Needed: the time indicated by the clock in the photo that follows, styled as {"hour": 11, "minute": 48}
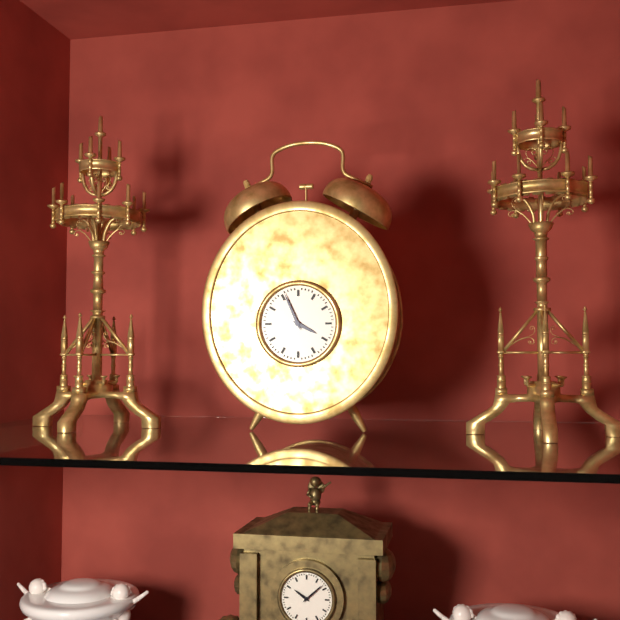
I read {"hour": 3, "minute": 56}
